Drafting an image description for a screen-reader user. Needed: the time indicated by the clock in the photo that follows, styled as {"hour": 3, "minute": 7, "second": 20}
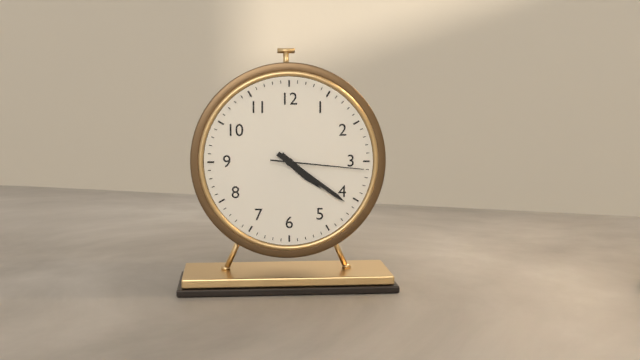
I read {"hour": 4, "minute": 21, "second": 16}
